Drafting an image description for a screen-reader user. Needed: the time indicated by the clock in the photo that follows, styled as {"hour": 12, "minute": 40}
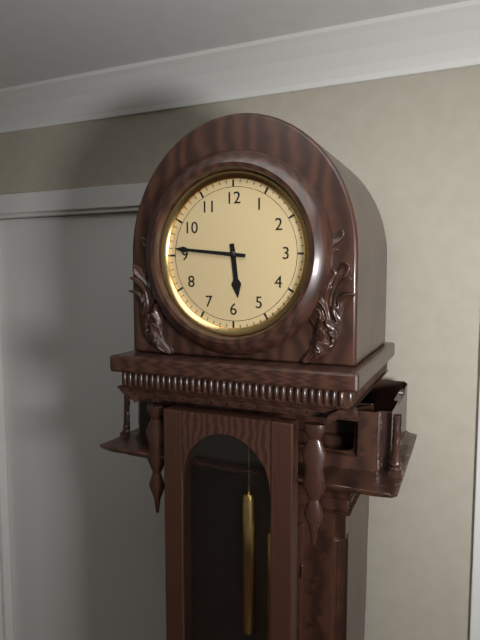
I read {"hour": 5, "minute": 46}
